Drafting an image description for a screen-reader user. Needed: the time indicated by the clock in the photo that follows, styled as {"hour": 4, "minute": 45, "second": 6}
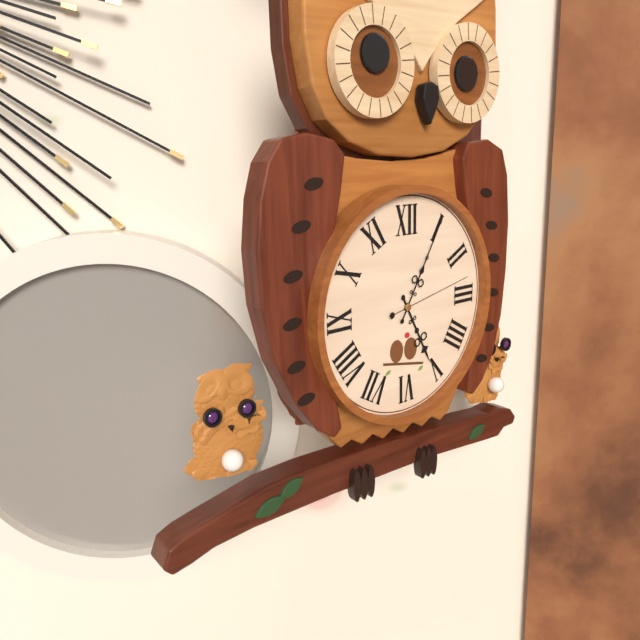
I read {"hour": 5, "minute": 5, "second": 13}
